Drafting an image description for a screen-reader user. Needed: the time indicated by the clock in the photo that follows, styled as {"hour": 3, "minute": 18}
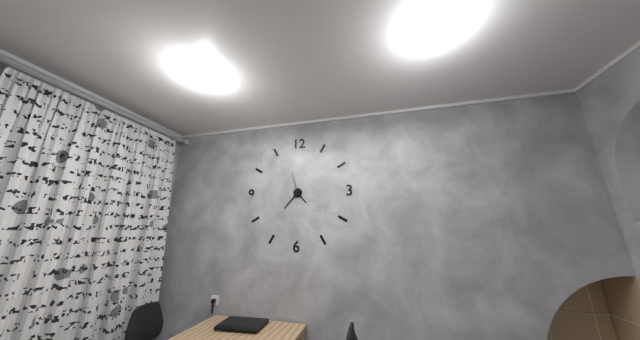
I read {"hour": 4, "minute": 37}
